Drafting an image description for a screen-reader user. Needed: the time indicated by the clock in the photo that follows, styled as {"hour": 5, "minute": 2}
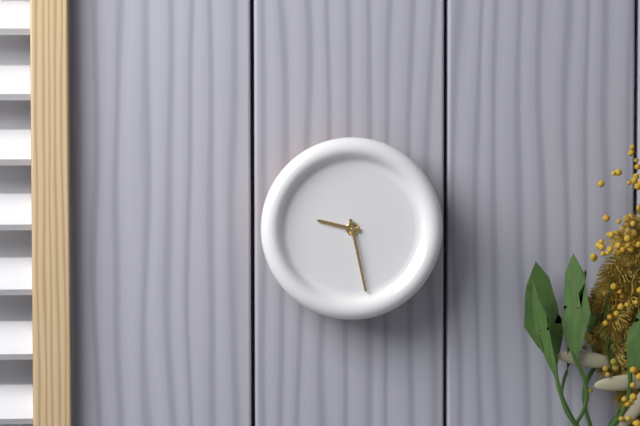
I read {"hour": 9, "minute": 28}
